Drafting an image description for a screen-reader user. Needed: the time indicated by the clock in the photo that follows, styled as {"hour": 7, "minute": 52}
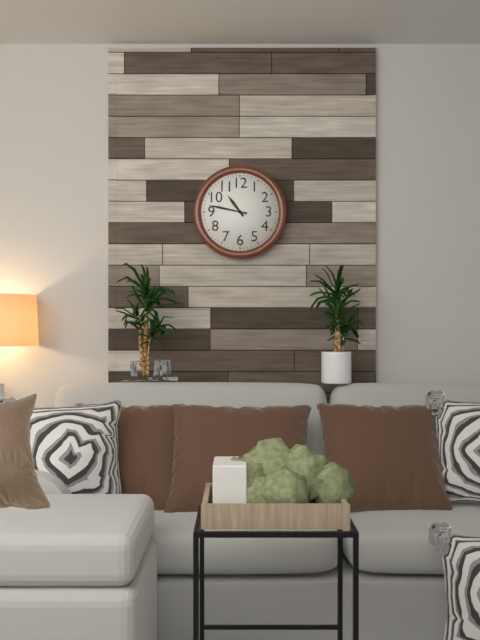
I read {"hour": 10, "minute": 47}
